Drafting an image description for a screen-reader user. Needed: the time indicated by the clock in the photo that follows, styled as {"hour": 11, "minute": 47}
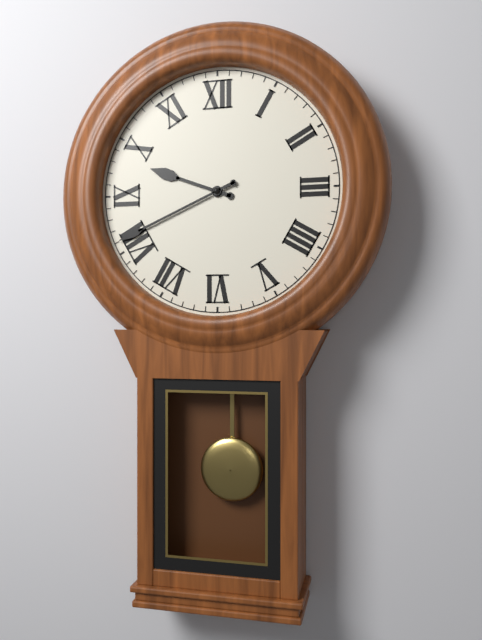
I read {"hour": 9, "minute": 41}
